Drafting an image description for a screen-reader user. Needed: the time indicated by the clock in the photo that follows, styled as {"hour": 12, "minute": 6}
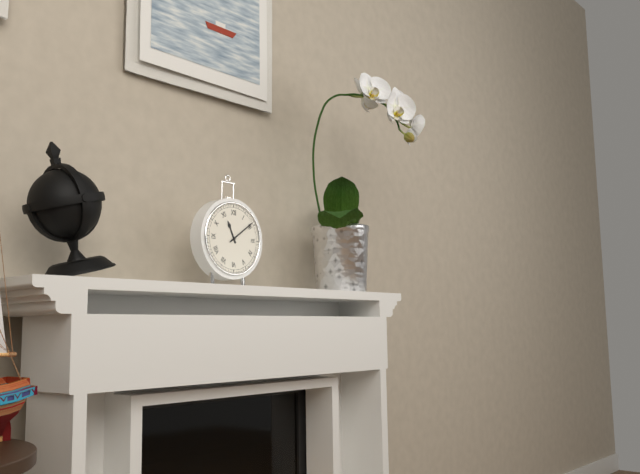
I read {"hour": 11, "minute": 9}
